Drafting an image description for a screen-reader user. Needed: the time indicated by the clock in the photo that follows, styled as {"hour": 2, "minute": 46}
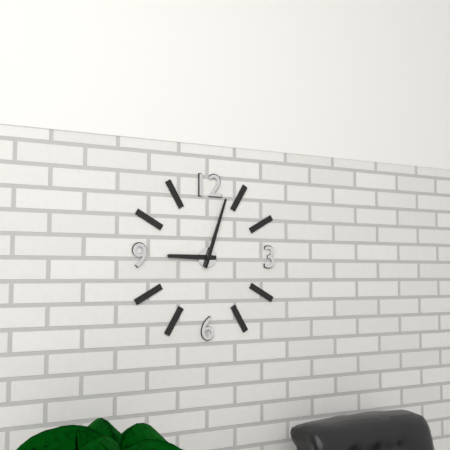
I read {"hour": 9, "minute": 3}
